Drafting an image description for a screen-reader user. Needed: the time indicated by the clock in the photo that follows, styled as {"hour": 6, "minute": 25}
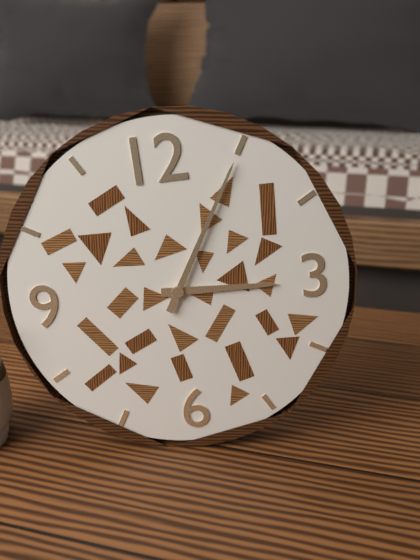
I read {"hour": 3, "minute": 5}
